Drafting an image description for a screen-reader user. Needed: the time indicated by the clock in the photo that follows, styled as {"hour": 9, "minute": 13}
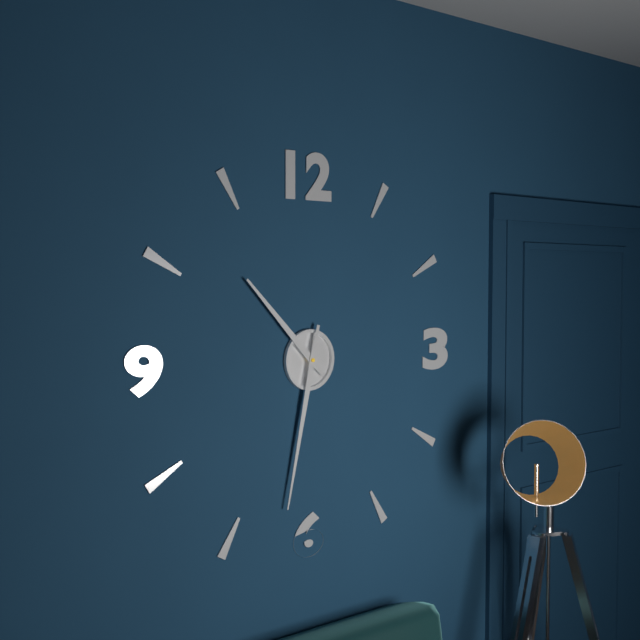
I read {"hour": 10, "minute": 32}
